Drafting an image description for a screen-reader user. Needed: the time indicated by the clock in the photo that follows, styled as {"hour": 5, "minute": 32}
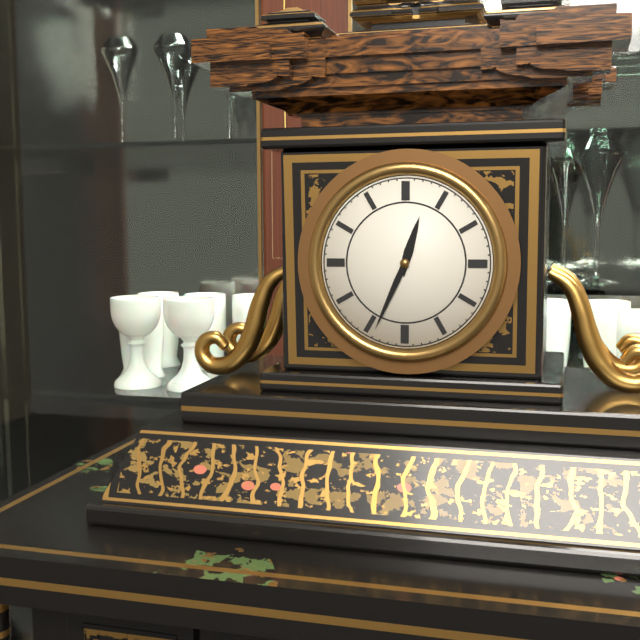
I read {"hour": 12, "minute": 34}
